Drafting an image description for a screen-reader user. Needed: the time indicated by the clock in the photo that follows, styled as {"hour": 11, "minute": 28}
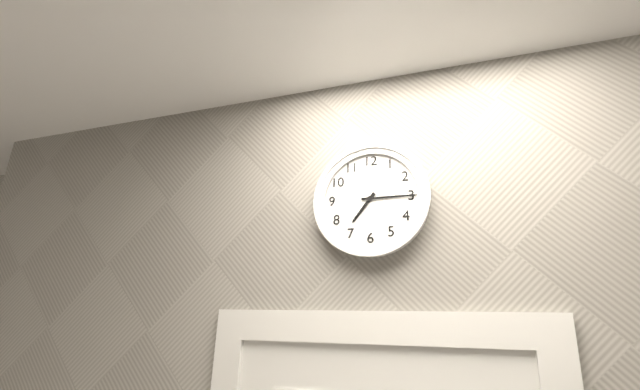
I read {"hour": 7, "minute": 15}
